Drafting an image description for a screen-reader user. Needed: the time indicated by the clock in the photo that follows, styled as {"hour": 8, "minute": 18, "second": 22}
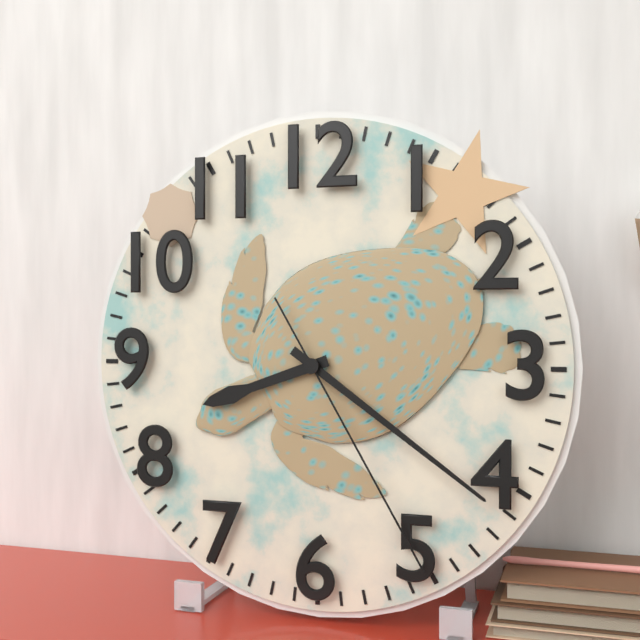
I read {"hour": 8, "minute": 21, "second": 25}
